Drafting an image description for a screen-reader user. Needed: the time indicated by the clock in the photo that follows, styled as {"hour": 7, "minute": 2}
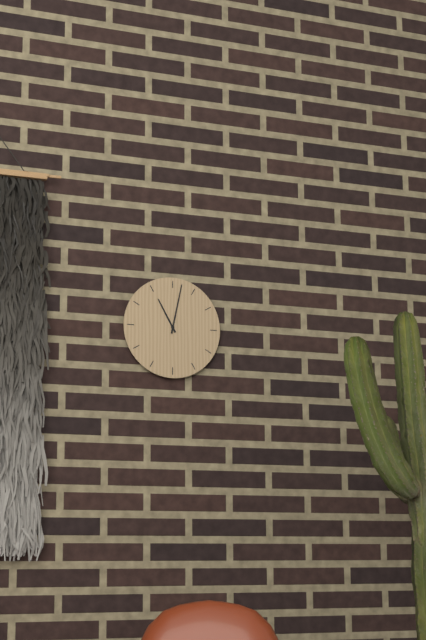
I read {"hour": 11, "minute": 2}
